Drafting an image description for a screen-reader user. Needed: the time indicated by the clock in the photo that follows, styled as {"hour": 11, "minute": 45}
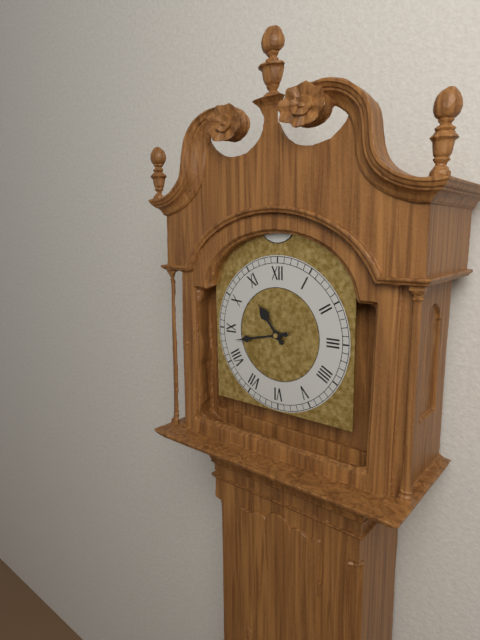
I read {"hour": 10, "minute": 43}
